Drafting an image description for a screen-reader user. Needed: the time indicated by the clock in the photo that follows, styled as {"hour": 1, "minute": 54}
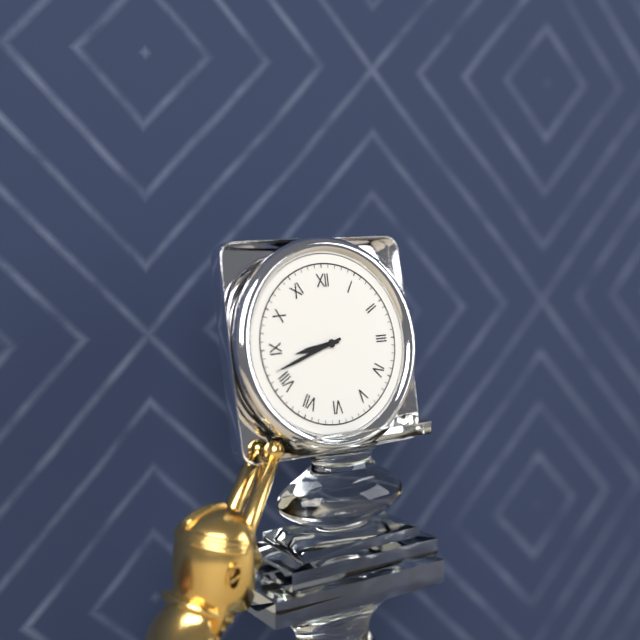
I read {"hour": 8, "minute": 42}
